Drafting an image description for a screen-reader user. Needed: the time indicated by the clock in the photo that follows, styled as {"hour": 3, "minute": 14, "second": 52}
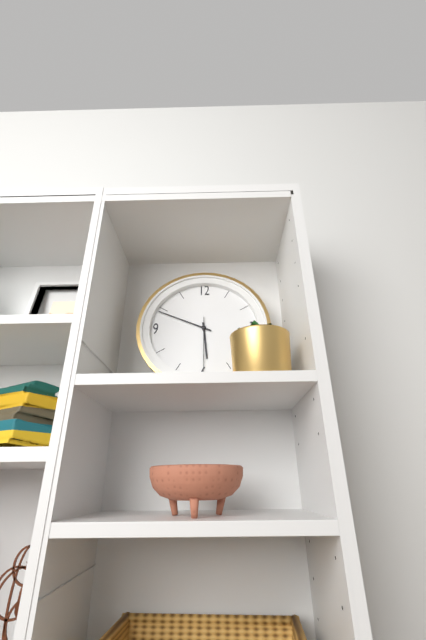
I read {"hour": 5, "minute": 49, "second": 30}
